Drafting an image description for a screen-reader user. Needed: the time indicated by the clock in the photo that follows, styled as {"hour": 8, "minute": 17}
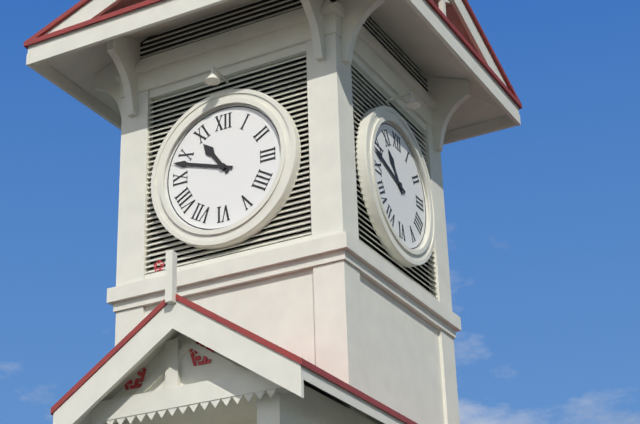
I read {"hour": 10, "minute": 48}
